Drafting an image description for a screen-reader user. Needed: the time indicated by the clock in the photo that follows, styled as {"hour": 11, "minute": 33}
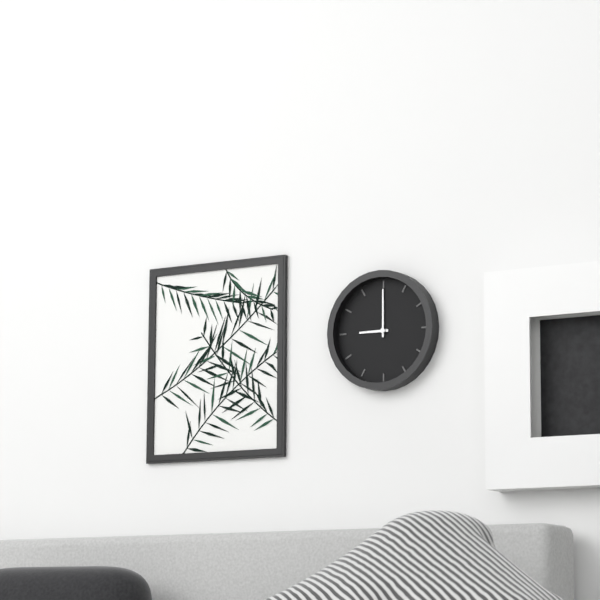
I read {"hour": 9, "minute": 0}
